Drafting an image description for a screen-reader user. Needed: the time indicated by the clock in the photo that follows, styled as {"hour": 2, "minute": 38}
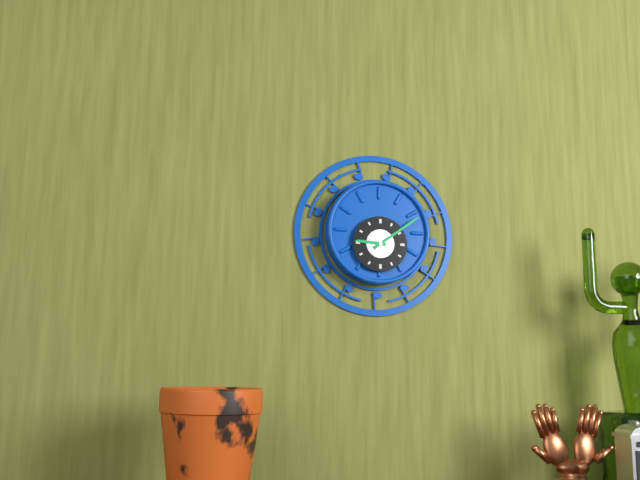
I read {"hour": 9, "minute": 9}
